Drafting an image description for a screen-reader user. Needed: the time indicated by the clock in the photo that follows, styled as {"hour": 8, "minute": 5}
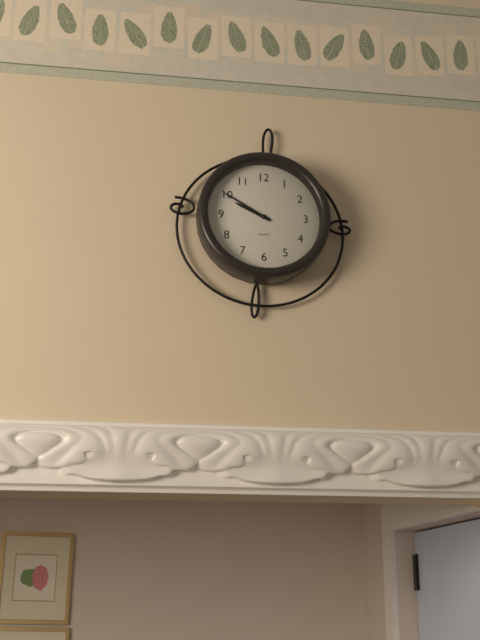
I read {"hour": 9, "minute": 50}
